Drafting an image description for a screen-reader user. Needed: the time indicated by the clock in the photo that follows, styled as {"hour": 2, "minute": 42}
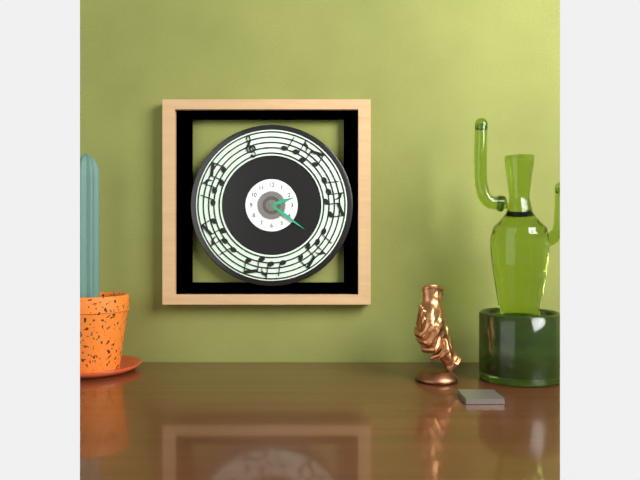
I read {"hour": 2, "minute": 21}
